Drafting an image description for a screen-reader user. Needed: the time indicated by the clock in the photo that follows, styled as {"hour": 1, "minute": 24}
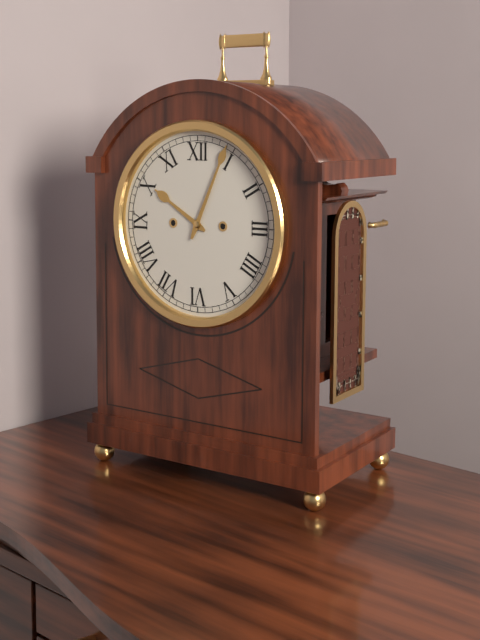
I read {"hour": 10, "minute": 4}
